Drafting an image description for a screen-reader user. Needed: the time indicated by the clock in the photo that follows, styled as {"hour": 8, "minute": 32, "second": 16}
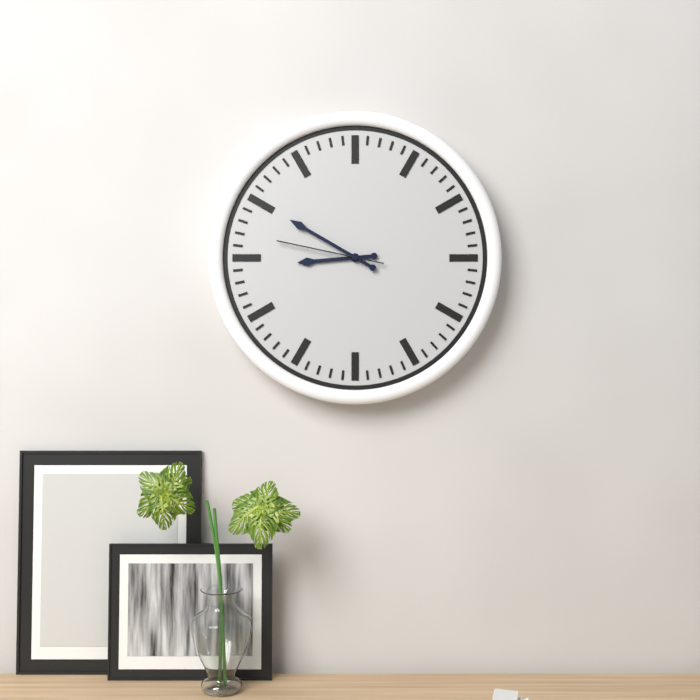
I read {"hour": 8, "minute": 50, "second": 47}
